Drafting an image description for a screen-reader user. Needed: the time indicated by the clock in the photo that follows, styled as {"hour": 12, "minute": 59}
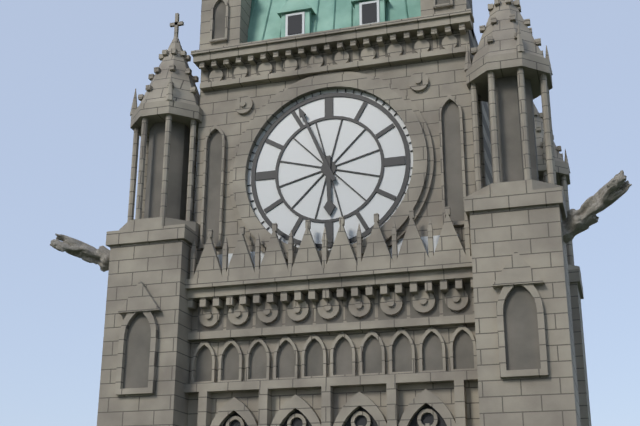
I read {"hour": 5, "minute": 56}
